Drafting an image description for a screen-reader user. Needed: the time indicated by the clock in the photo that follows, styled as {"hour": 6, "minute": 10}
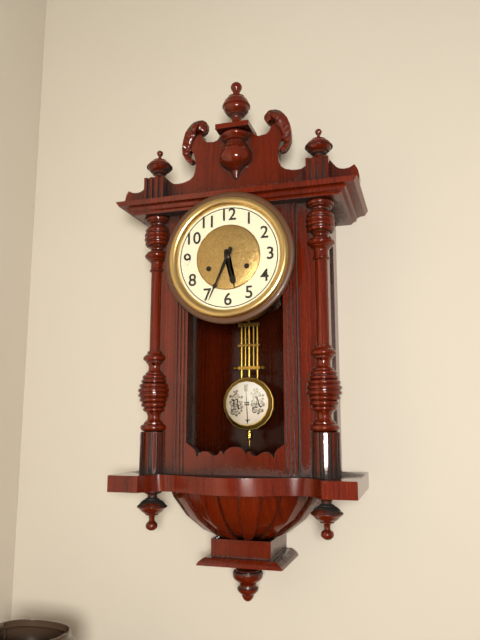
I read {"hour": 5, "minute": 34}
